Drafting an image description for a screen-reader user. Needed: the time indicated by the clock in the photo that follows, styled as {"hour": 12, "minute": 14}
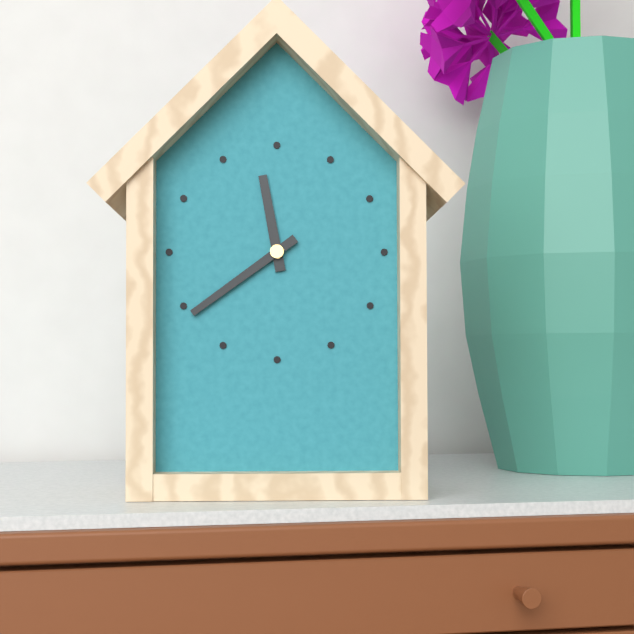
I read {"hour": 11, "minute": 39}
